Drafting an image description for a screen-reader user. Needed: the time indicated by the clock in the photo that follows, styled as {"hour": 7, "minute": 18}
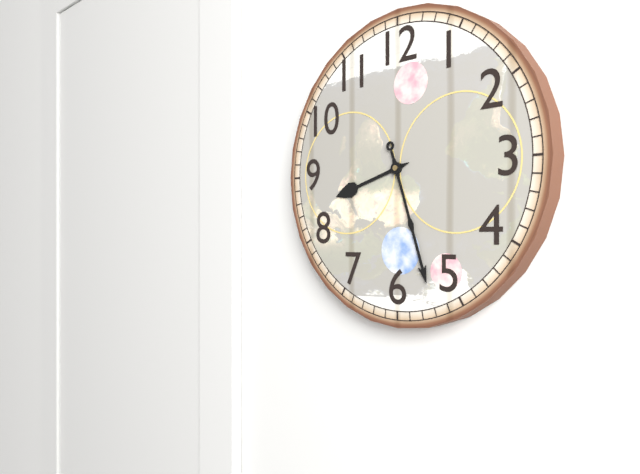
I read {"hour": 8, "minute": 27}
